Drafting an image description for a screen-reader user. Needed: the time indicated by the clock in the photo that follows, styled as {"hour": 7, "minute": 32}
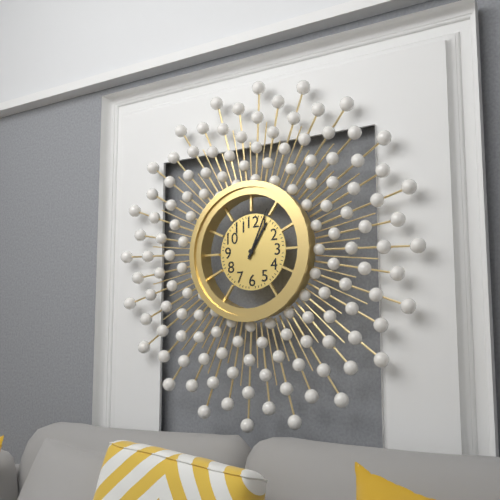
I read {"hour": 1, "minute": 4}
